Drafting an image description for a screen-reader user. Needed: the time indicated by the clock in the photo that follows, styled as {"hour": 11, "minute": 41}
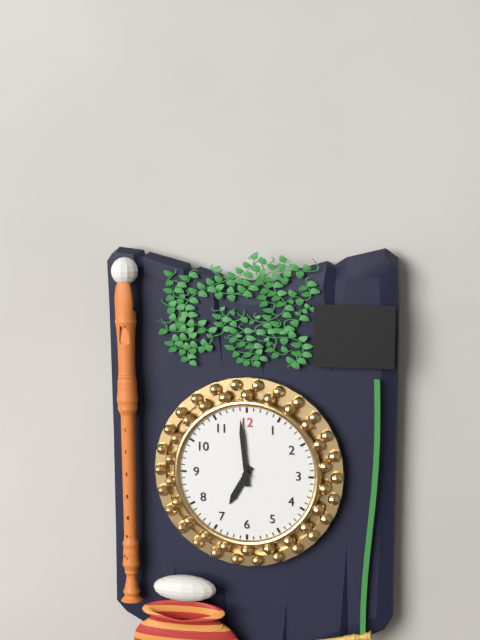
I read {"hour": 6, "minute": 59}
